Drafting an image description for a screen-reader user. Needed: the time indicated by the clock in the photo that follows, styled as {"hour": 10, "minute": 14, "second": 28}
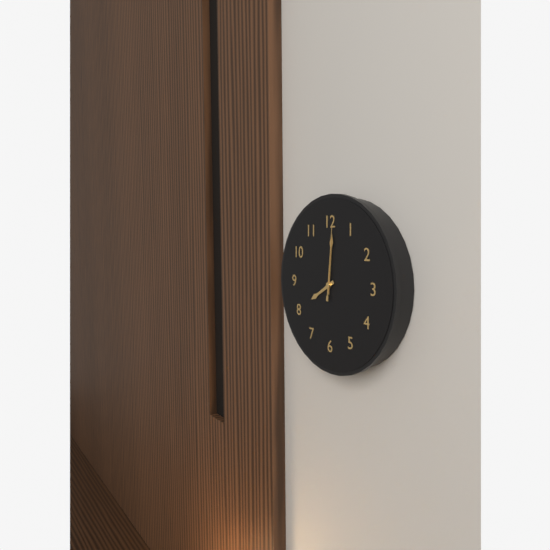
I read {"hour": 8, "minute": 1, "second": 1}
